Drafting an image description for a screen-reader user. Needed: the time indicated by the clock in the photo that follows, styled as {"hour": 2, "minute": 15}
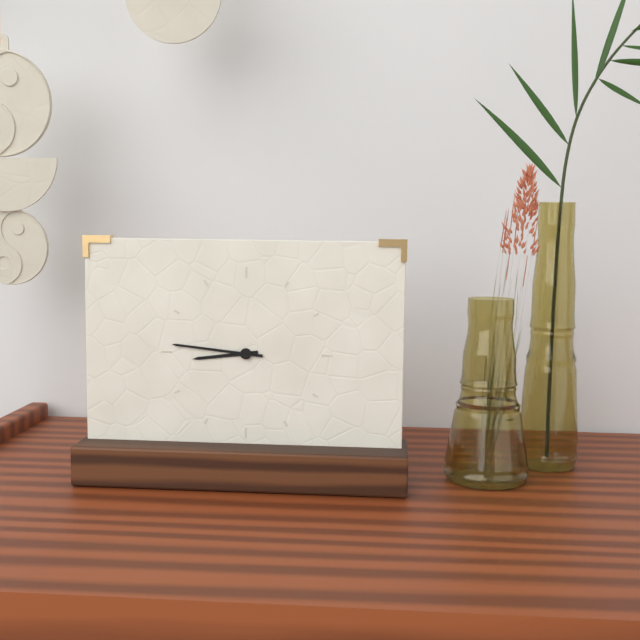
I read {"hour": 8, "minute": 46}
